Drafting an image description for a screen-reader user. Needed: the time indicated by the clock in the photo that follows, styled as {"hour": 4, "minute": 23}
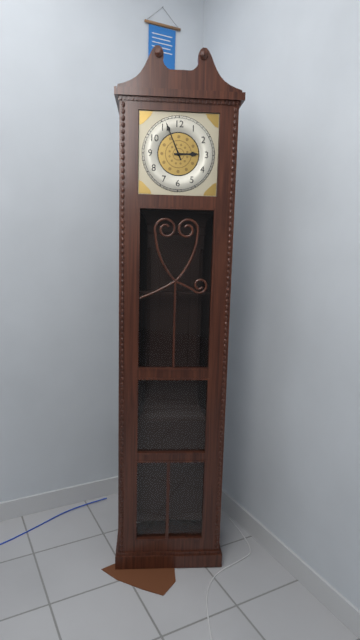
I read {"hour": 2, "minute": 56}
